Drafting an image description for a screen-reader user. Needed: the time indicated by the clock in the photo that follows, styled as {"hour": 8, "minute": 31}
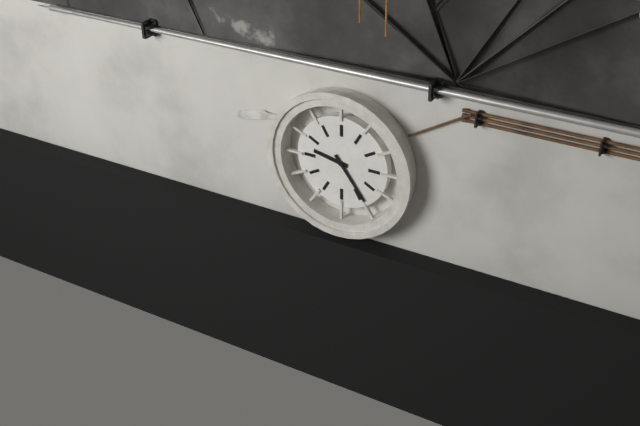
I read {"hour": 9, "minute": 24}
